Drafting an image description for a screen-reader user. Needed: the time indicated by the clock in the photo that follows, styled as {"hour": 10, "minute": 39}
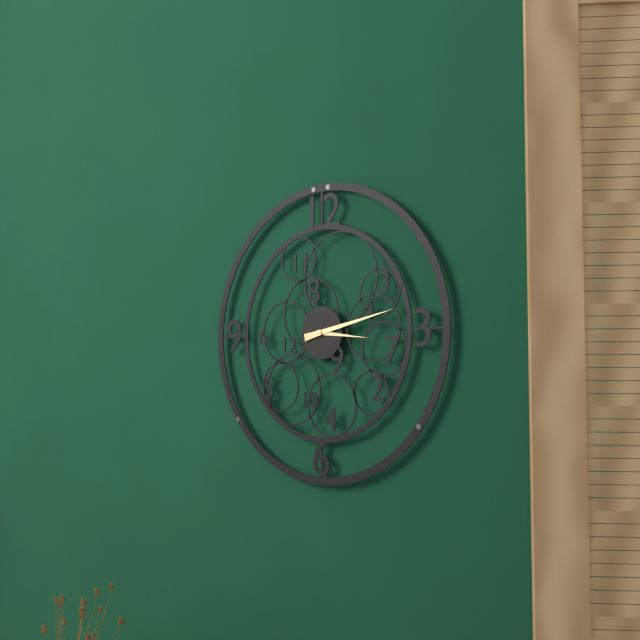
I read {"hour": 3, "minute": 13}
